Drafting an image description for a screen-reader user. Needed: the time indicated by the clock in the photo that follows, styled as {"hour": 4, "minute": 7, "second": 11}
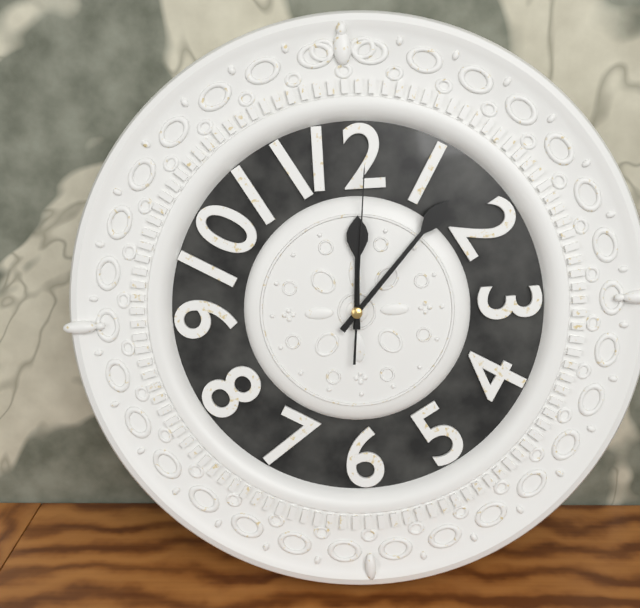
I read {"hour": 12, "minute": 7, "second": 1}
